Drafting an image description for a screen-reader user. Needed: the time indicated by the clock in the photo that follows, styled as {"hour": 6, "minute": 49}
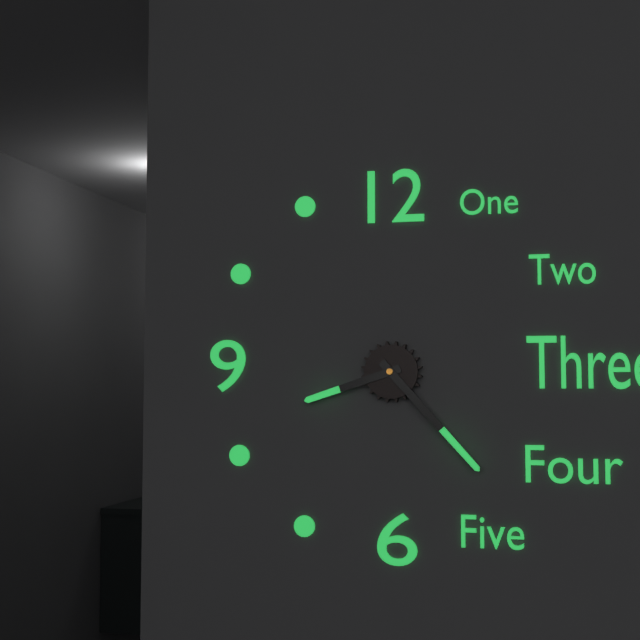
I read {"hour": 8, "minute": 23}
